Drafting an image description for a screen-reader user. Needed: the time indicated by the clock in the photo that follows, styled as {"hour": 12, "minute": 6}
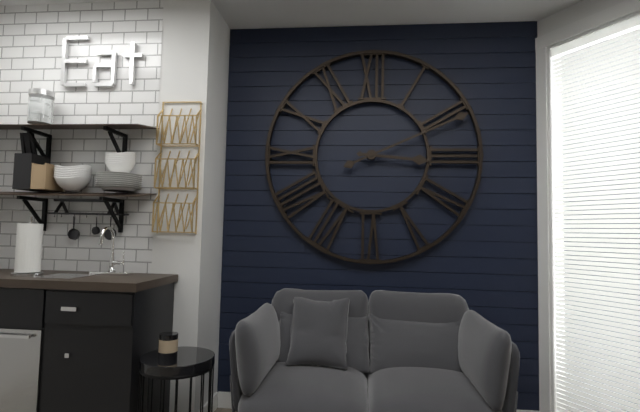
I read {"hour": 3, "minute": 11}
